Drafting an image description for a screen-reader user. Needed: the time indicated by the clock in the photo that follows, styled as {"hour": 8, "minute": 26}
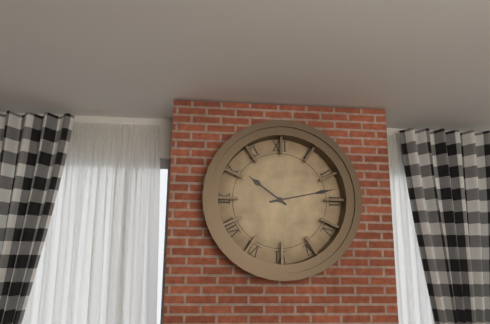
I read {"hour": 10, "minute": 13}
